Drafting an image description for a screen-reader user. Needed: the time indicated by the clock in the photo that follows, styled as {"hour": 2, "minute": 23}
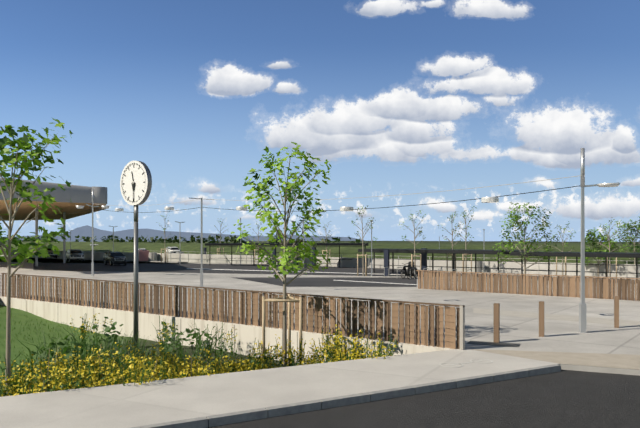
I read {"hour": 11, "minute": 30}
